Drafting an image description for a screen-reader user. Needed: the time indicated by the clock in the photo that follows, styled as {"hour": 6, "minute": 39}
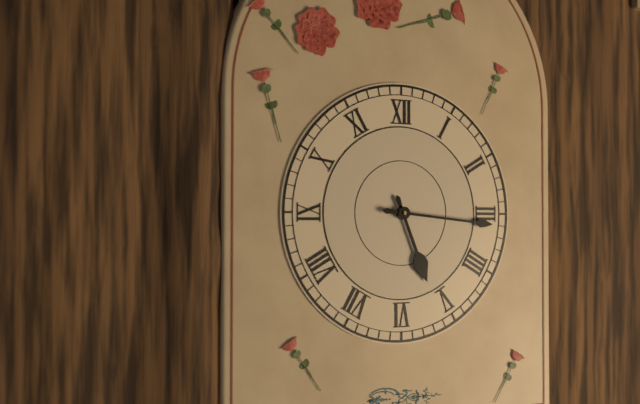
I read {"hour": 5, "minute": 16}
